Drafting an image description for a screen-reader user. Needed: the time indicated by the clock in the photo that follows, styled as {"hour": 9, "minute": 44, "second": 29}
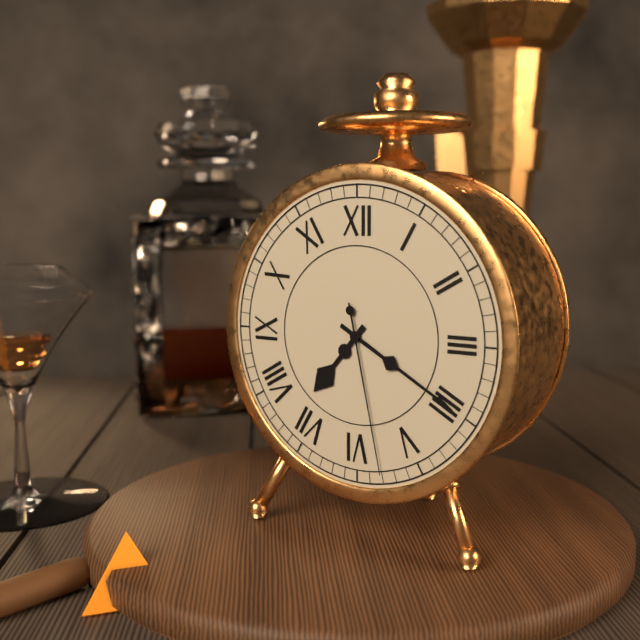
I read {"hour": 7, "minute": 20, "second": 28}
